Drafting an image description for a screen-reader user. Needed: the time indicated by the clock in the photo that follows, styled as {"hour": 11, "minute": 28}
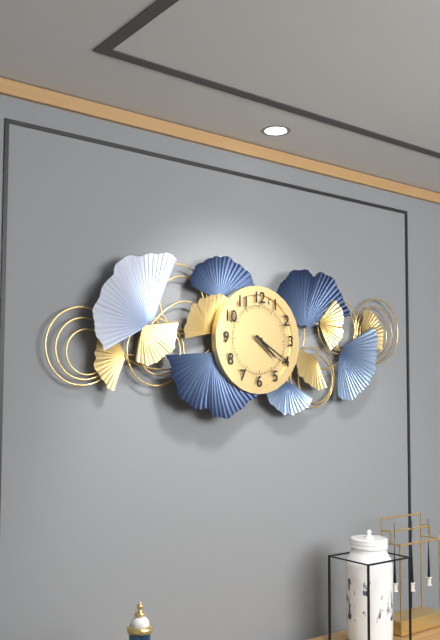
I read {"hour": 4, "minute": 20}
